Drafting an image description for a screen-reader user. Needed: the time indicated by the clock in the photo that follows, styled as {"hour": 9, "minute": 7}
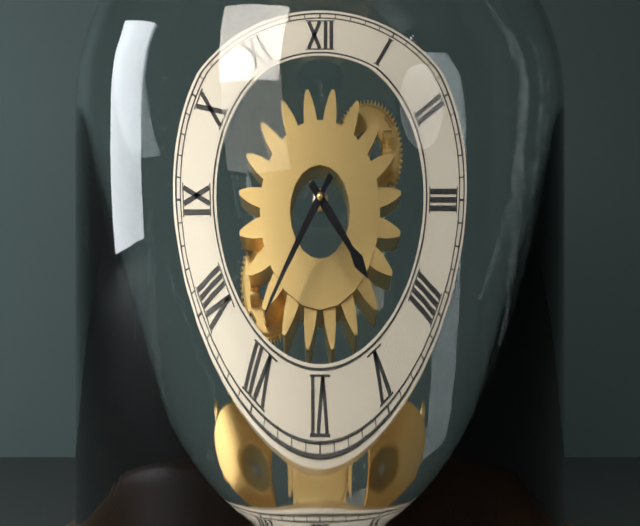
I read {"hour": 4, "minute": 36}
